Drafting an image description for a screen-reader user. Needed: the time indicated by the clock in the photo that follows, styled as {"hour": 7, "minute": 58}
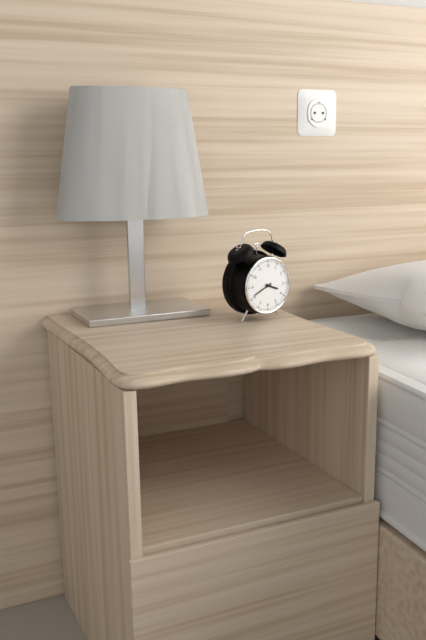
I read {"hour": 3, "minute": 41}
